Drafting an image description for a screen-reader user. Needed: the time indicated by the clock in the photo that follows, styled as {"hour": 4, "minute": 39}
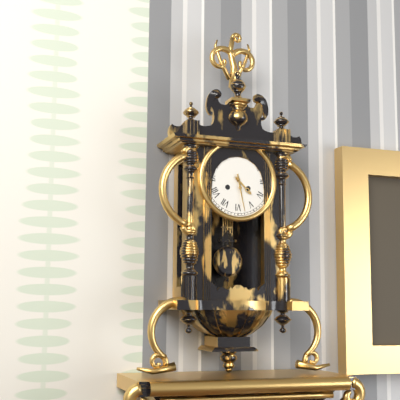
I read {"hour": 4, "minute": 28}
